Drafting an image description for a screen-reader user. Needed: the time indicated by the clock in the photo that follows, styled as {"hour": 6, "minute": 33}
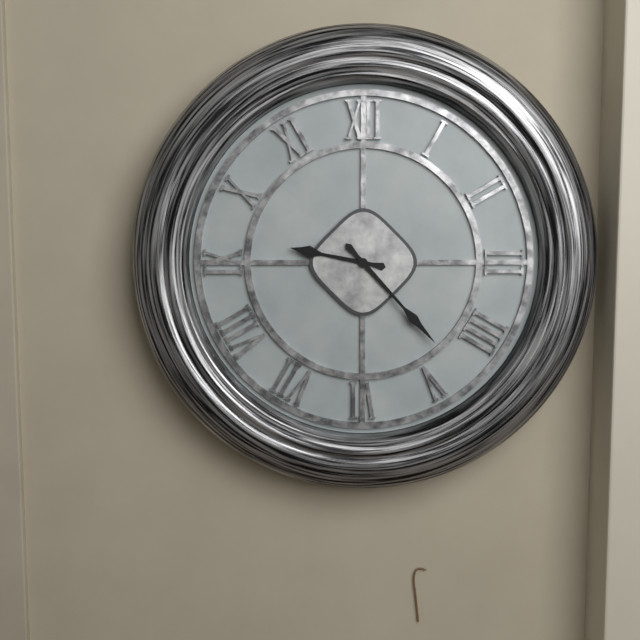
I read {"hour": 9, "minute": 23}
